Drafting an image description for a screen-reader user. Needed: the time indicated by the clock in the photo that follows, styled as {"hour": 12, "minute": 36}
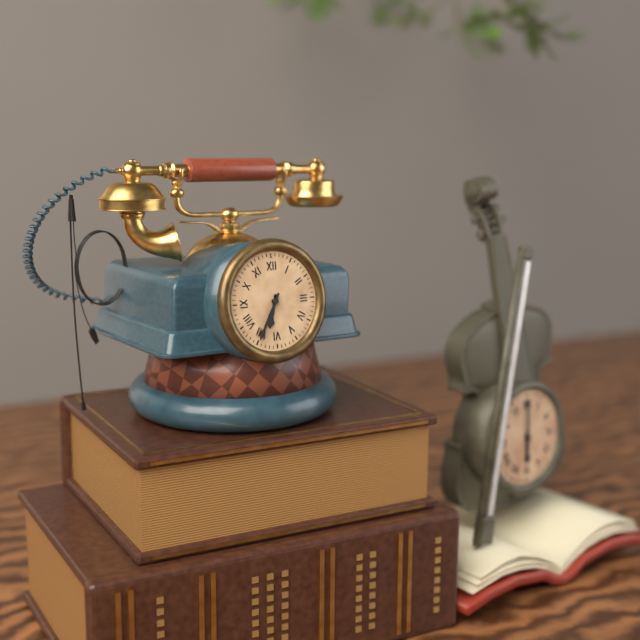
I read {"hour": 6, "minute": 35}
